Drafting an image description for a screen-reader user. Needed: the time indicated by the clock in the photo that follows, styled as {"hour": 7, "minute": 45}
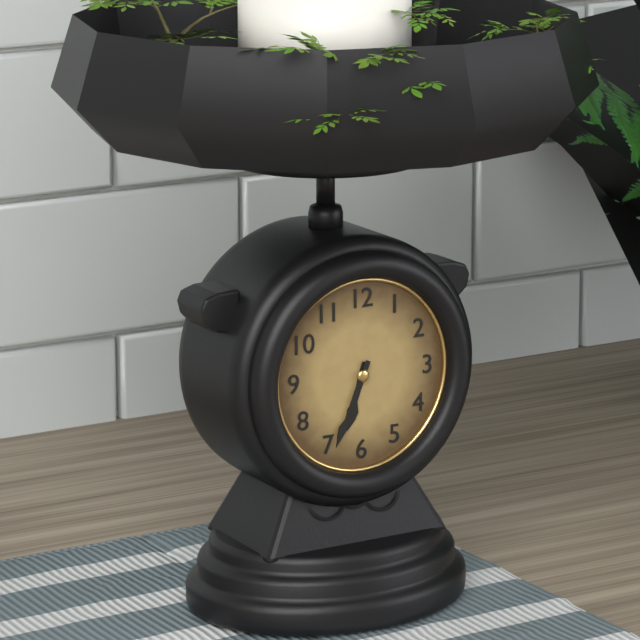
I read {"hour": 6, "minute": 34}
